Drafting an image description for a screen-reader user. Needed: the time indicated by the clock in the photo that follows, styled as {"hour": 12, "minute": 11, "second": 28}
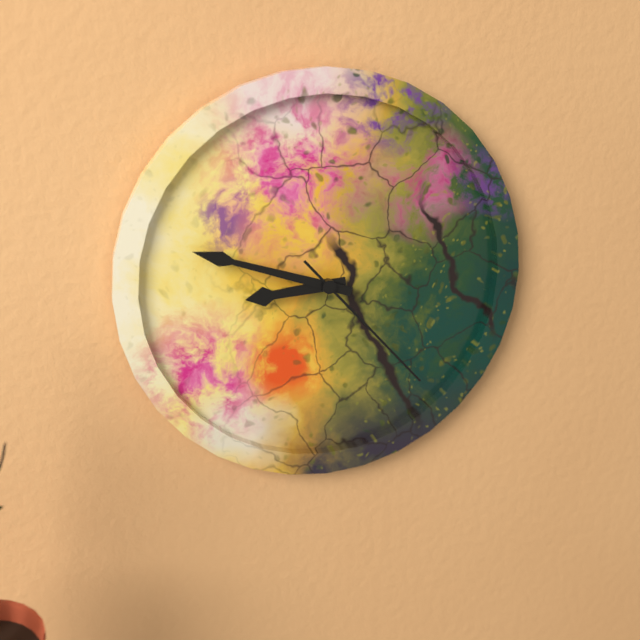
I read {"hour": 8, "minute": 48, "second": 23}
